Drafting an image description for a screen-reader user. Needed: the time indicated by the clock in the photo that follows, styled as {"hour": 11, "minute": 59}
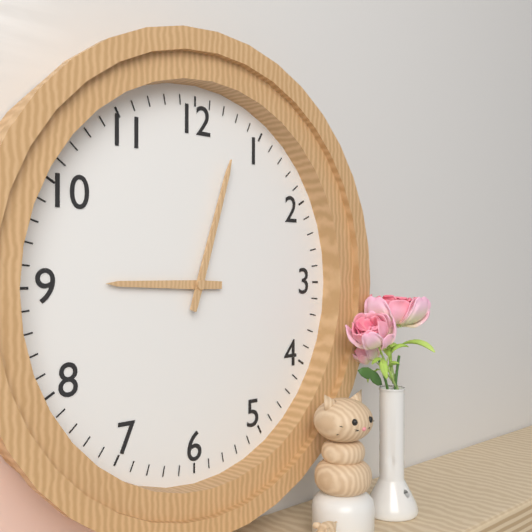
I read {"hour": 9, "minute": 3}
